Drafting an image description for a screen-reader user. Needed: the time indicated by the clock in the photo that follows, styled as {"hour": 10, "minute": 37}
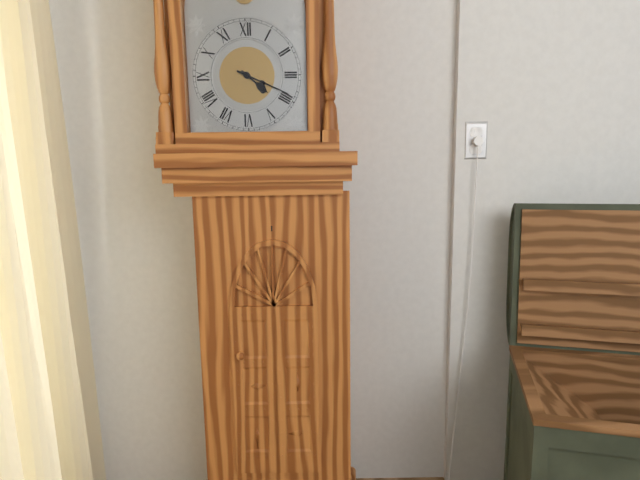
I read {"hour": 4, "minute": 19}
